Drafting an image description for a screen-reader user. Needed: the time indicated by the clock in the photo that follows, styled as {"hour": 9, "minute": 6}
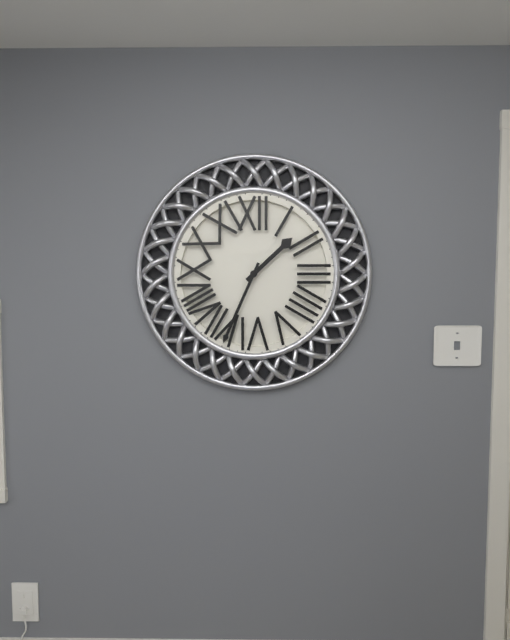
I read {"hour": 1, "minute": 34}
